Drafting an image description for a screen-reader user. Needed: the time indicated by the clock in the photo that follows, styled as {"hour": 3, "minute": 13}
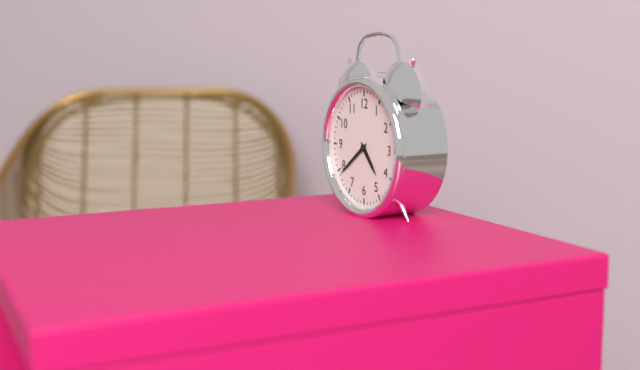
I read {"hour": 4, "minute": 39}
